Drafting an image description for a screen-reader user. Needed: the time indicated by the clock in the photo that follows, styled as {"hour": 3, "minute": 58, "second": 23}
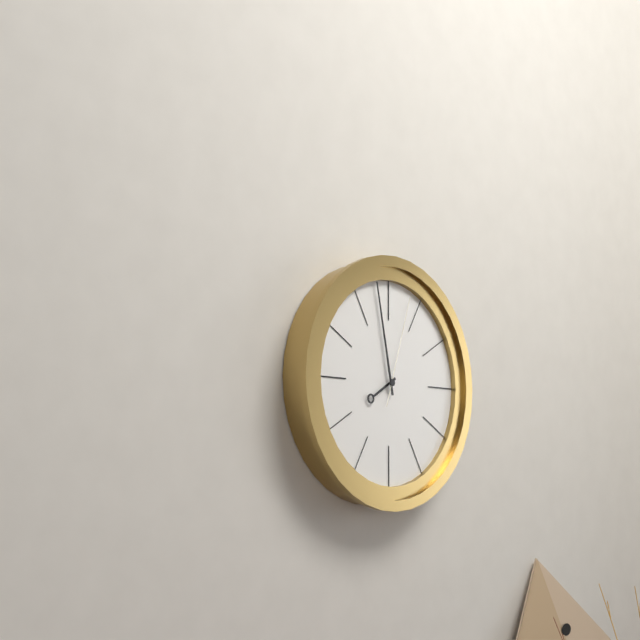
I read {"hour": 7, "minute": 58, "second": 3}
